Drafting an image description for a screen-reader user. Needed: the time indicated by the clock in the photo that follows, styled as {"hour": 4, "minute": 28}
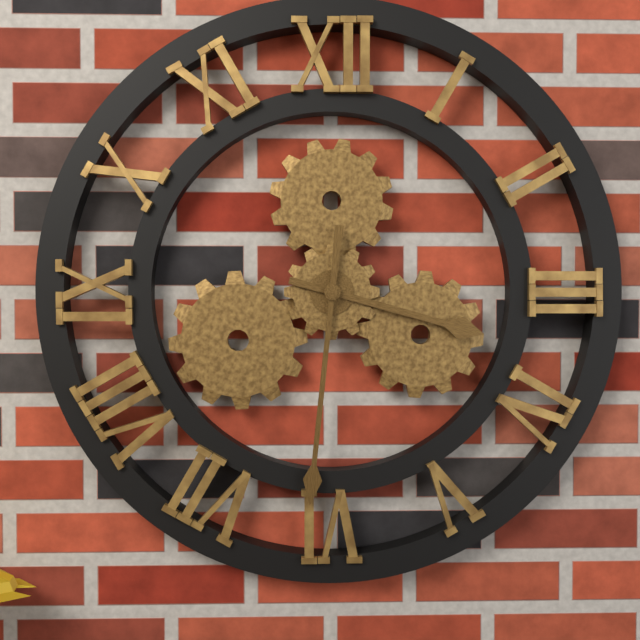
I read {"hour": 3, "minute": 31}
